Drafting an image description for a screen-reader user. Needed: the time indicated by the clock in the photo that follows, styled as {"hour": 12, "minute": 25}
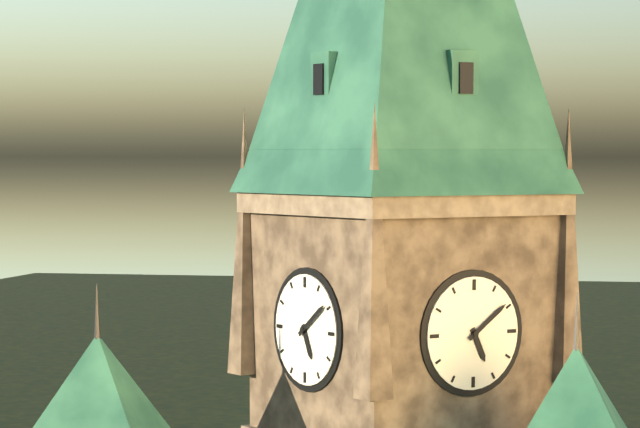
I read {"hour": 5, "minute": 9}
